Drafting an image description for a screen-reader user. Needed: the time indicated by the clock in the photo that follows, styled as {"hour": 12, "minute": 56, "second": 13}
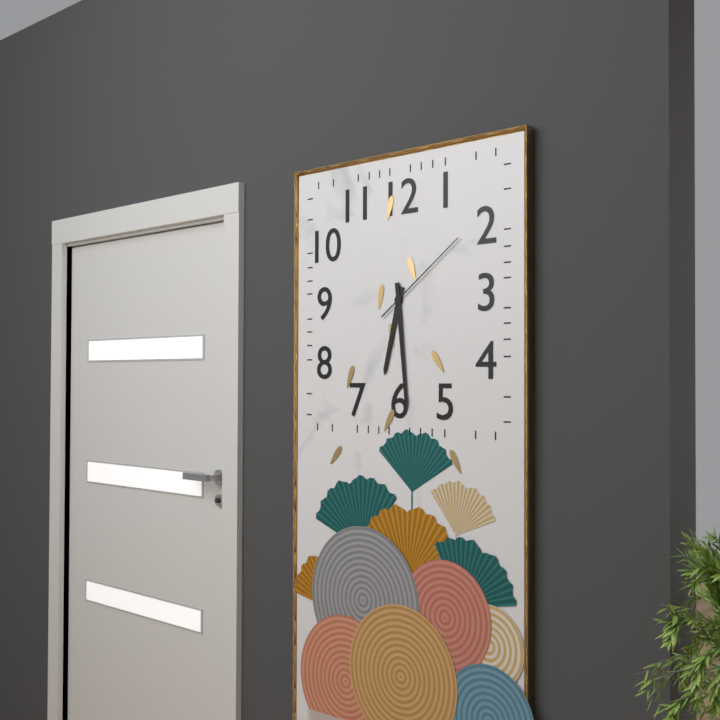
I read {"hour": 6, "minute": 29, "second": 9}
